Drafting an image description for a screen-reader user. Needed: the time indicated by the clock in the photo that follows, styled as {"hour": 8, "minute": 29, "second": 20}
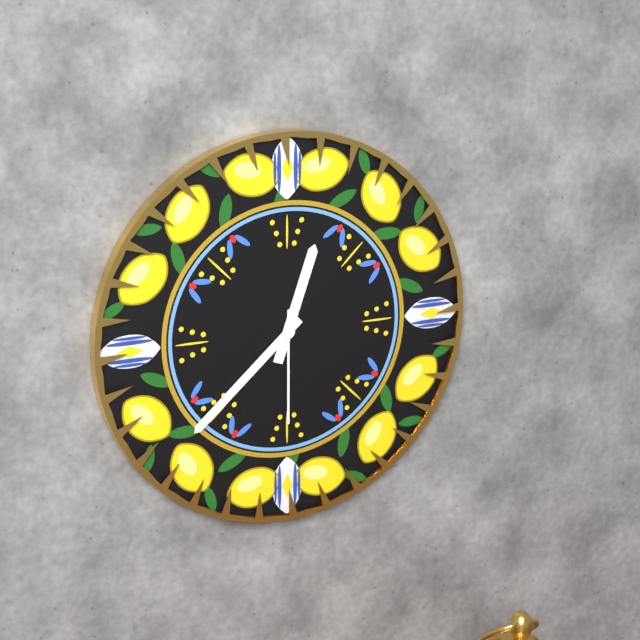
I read {"hour": 12, "minute": 38, "second": 30}
